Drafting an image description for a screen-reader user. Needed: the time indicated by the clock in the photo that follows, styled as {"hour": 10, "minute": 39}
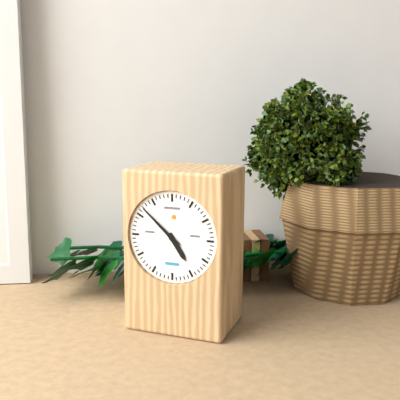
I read {"hour": 4, "minute": 52}
